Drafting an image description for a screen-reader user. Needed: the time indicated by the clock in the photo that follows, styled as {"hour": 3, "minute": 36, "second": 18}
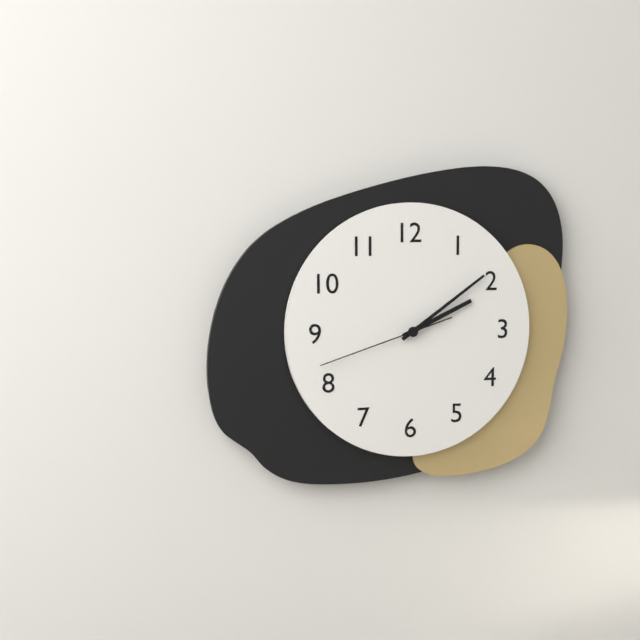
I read {"hour": 2, "minute": 9, "second": 42}
